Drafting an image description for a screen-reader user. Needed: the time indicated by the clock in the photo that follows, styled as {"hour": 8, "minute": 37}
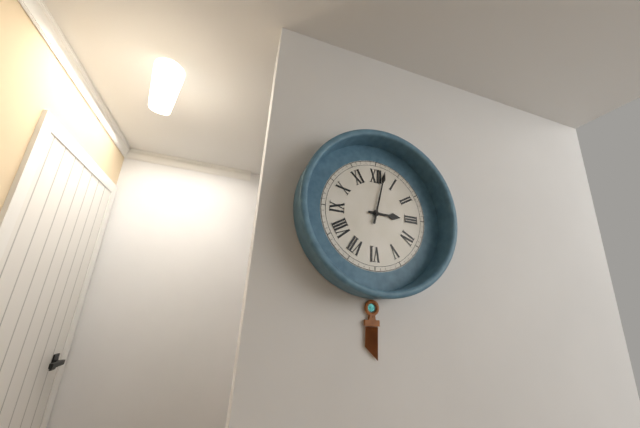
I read {"hour": 3, "minute": 2}
